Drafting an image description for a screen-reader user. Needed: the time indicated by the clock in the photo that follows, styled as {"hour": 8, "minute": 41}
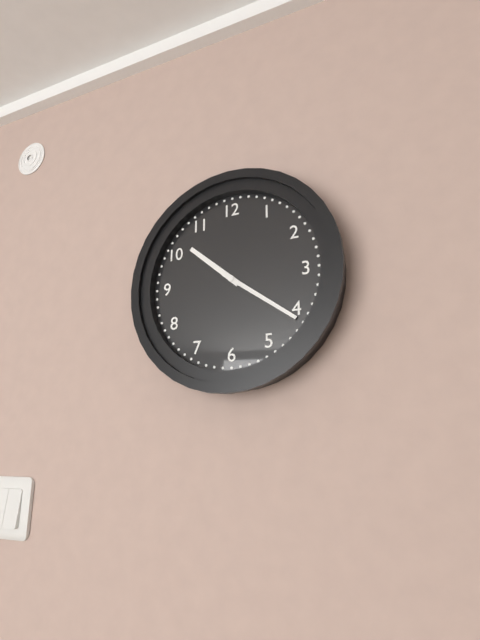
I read {"hour": 10, "minute": 21}
